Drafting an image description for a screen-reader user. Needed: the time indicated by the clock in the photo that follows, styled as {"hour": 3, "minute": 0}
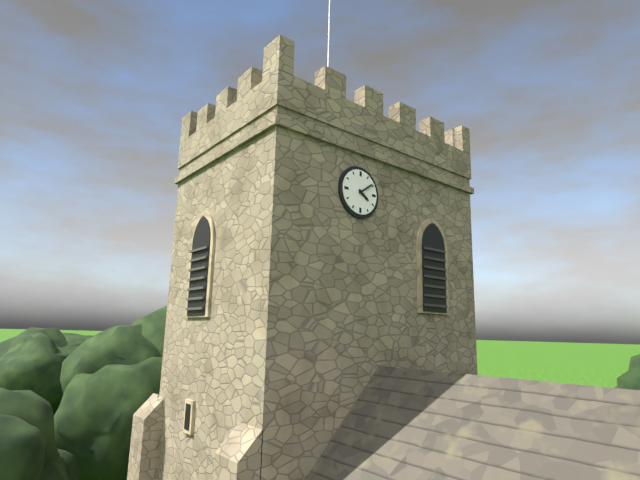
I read {"hour": 4, "minute": 9}
